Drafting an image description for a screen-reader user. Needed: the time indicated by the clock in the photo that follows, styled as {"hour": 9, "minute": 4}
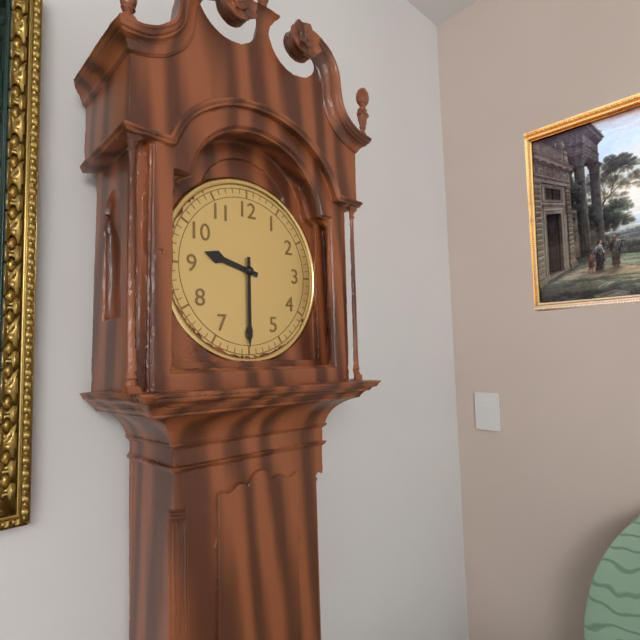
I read {"hour": 9, "minute": 30}
